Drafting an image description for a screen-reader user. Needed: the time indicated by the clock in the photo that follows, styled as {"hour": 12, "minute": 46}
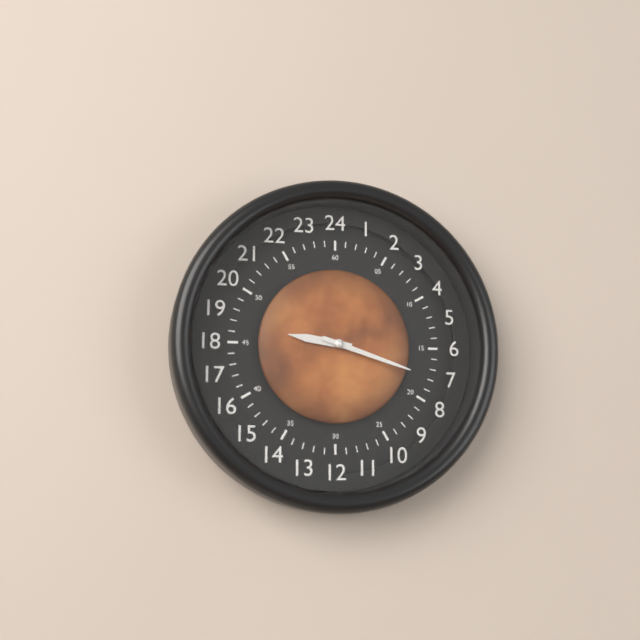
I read {"hour": 9, "minute": 18}
